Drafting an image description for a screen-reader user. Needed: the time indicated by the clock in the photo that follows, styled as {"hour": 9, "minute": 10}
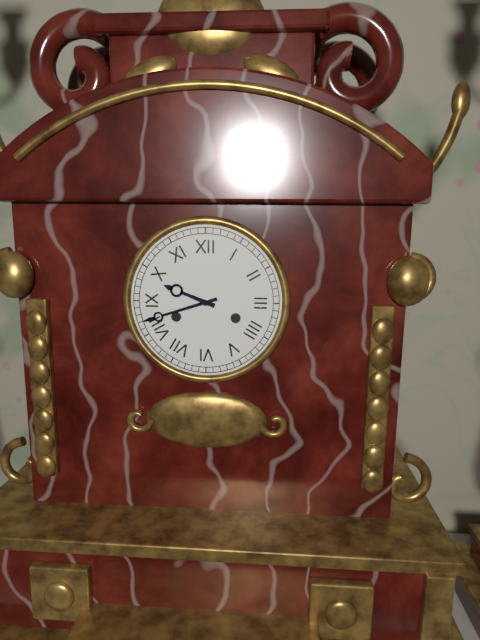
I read {"hour": 9, "minute": 42}
